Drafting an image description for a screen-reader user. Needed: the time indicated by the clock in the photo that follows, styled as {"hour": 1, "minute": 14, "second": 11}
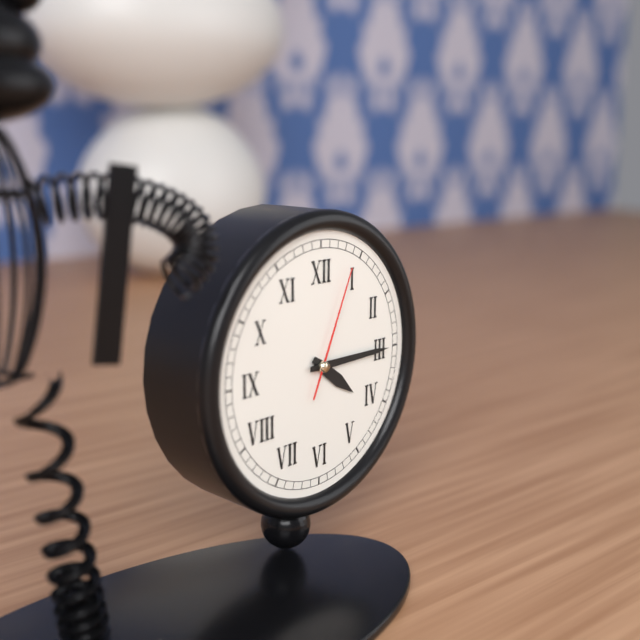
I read {"hour": 4, "minute": 15, "second": 4}
